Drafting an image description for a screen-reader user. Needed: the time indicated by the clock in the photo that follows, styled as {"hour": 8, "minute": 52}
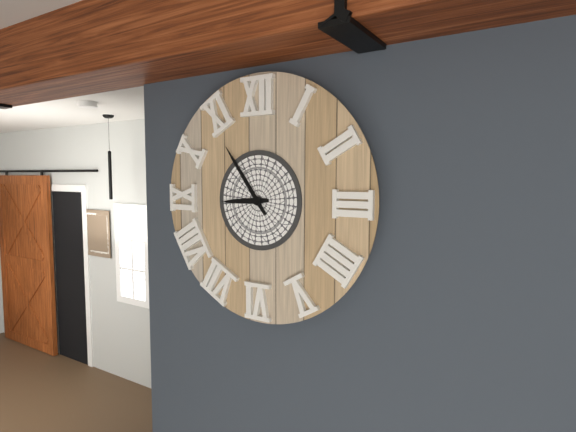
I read {"hour": 8, "minute": 54}
